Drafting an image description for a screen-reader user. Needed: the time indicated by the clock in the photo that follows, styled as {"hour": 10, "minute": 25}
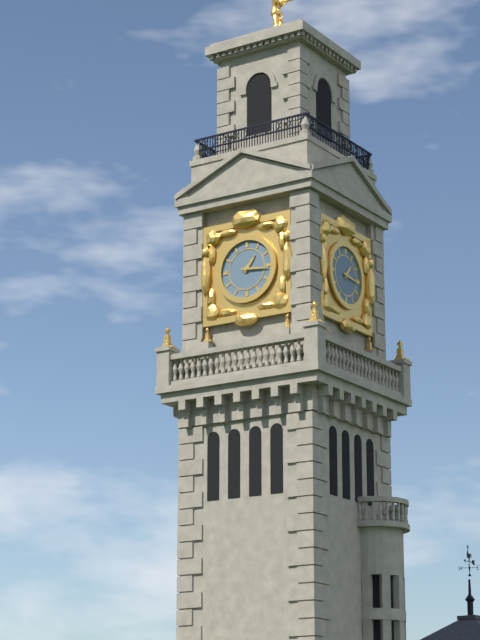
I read {"hour": 1, "minute": 16}
